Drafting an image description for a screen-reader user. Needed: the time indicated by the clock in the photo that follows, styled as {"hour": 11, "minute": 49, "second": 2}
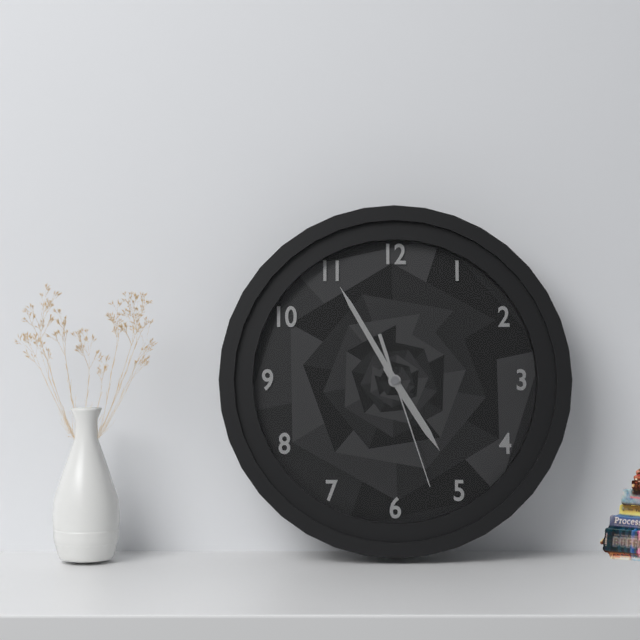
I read {"hour": 4, "minute": 55, "second": 27}
